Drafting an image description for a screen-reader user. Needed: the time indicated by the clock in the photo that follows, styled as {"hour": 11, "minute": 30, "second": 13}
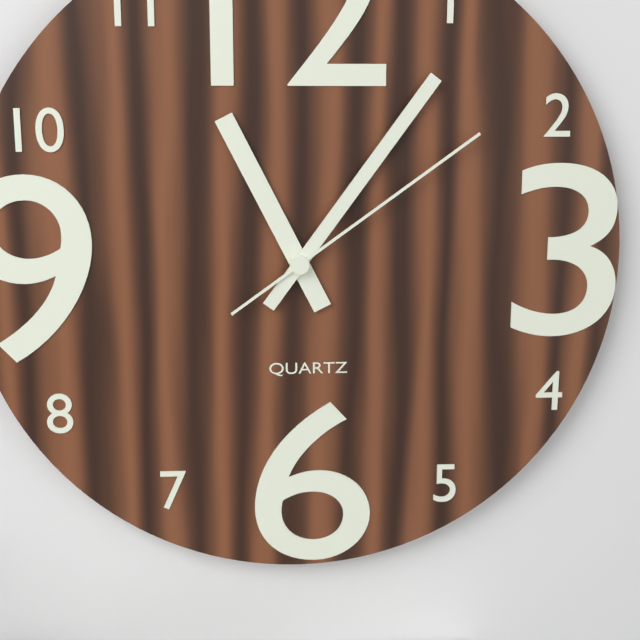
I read {"hour": 11, "minute": 6, "second": 9}
